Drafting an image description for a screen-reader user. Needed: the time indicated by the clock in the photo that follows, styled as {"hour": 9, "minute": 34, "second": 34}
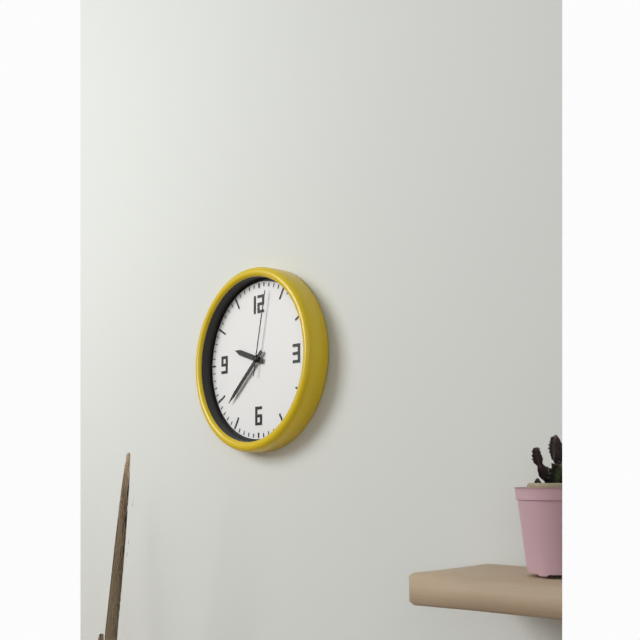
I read {"hour": 9, "minute": 38, "second": 2}
